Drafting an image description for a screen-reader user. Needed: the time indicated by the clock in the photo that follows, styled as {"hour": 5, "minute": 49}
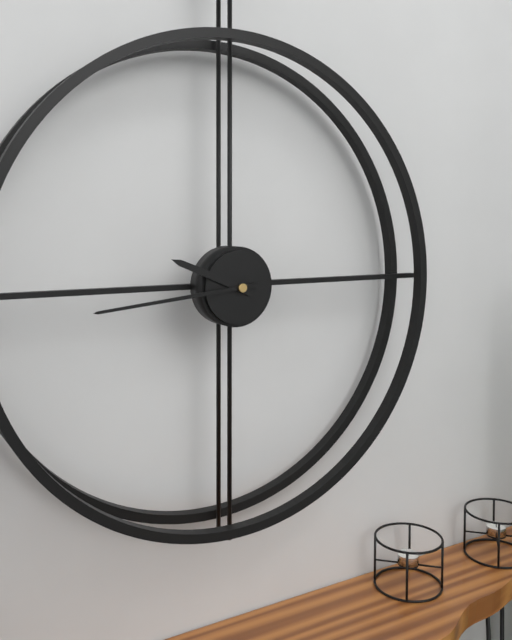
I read {"hour": 9, "minute": 44}
